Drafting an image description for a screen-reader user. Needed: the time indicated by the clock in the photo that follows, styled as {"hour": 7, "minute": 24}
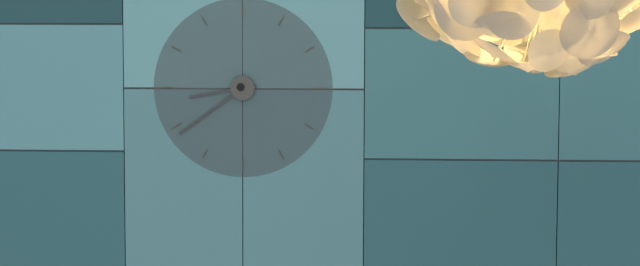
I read {"hour": 8, "minute": 39}
